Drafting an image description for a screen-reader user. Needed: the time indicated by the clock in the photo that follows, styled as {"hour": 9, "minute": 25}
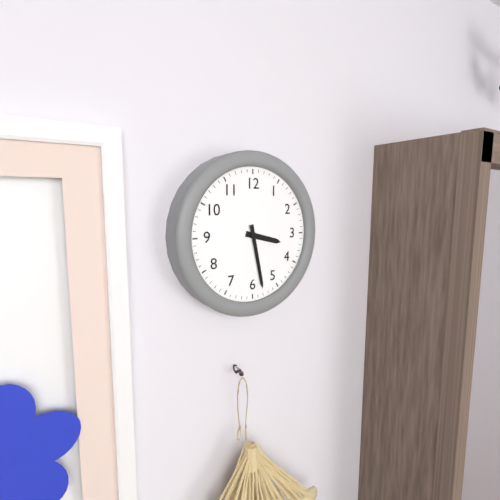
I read {"hour": 3, "minute": 28}
